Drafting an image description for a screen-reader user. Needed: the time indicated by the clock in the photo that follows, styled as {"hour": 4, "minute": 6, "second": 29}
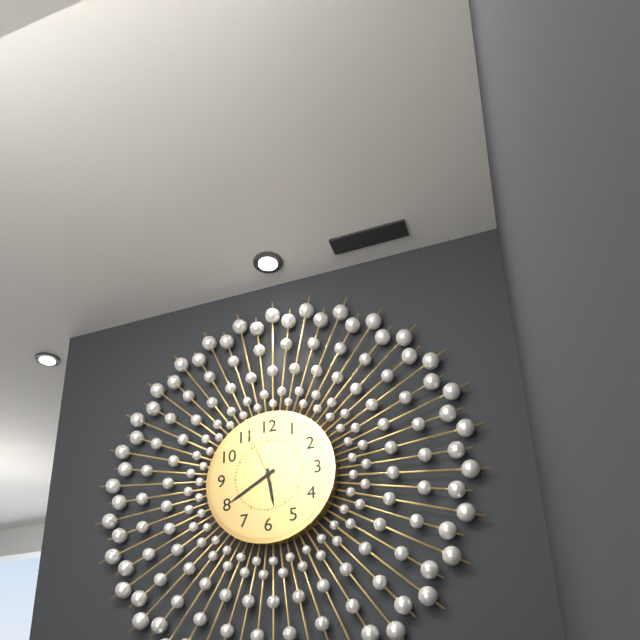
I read {"hour": 5, "minute": 40, "second": 56}
